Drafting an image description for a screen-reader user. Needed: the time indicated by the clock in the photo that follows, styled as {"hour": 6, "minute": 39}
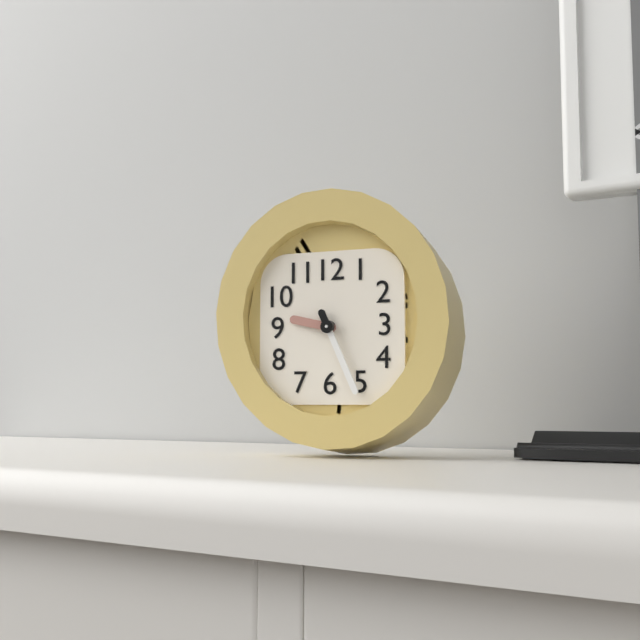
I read {"hour": 9, "minute": 26}
